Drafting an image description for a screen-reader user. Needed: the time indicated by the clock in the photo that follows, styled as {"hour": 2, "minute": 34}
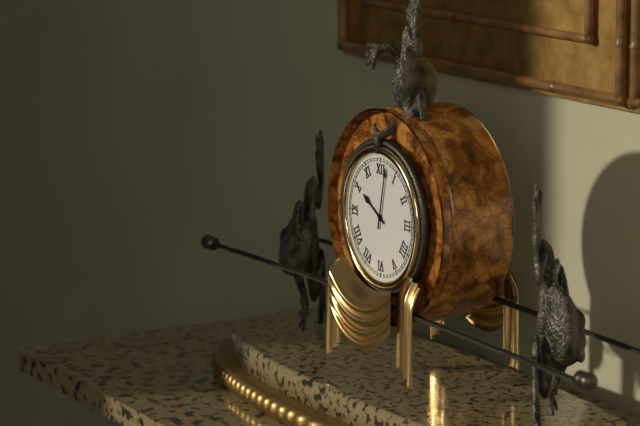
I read {"hour": 10, "minute": 2}
